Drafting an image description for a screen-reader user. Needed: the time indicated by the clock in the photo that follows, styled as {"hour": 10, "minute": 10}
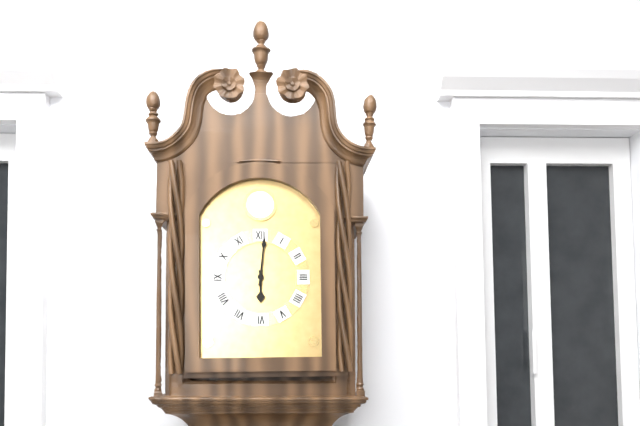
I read {"hour": 6, "minute": 1}
